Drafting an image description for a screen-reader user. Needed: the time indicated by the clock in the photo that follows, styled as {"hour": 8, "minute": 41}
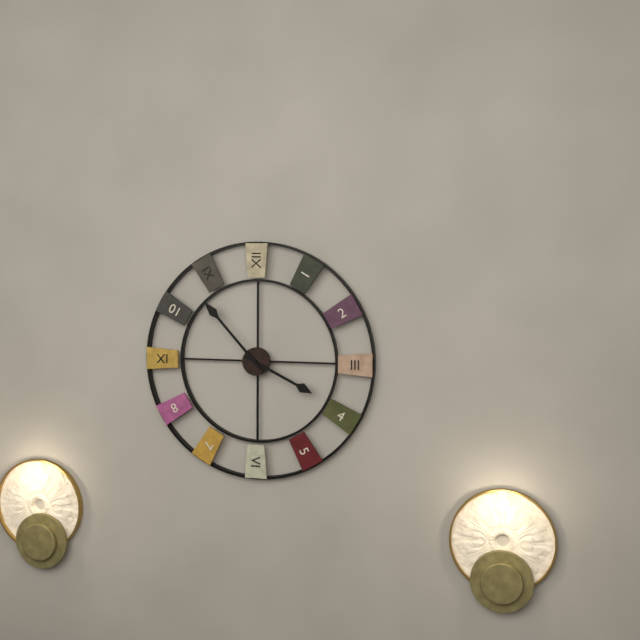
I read {"hour": 3, "minute": 53}
